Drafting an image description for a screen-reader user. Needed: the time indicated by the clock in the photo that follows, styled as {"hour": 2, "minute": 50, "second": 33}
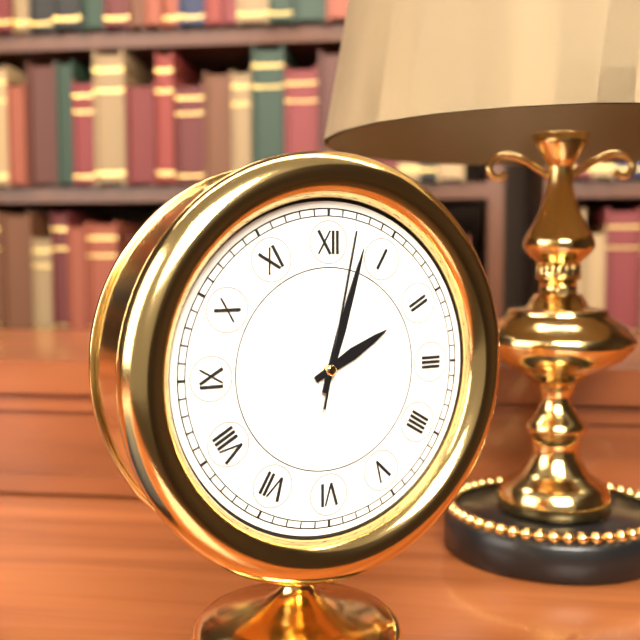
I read {"hour": 2, "minute": 3, "second": 2}
